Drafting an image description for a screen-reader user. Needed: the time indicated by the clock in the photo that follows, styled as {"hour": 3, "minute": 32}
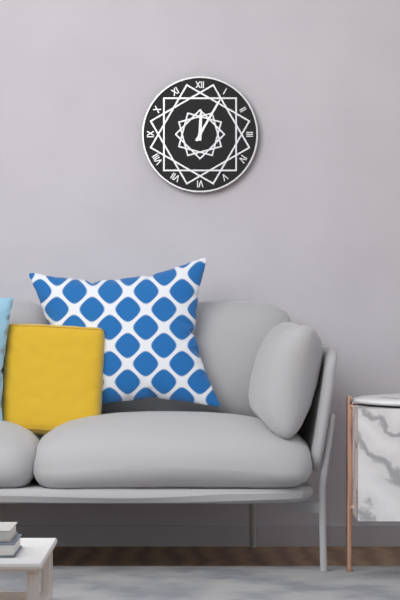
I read {"hour": 12, "minute": 5}
